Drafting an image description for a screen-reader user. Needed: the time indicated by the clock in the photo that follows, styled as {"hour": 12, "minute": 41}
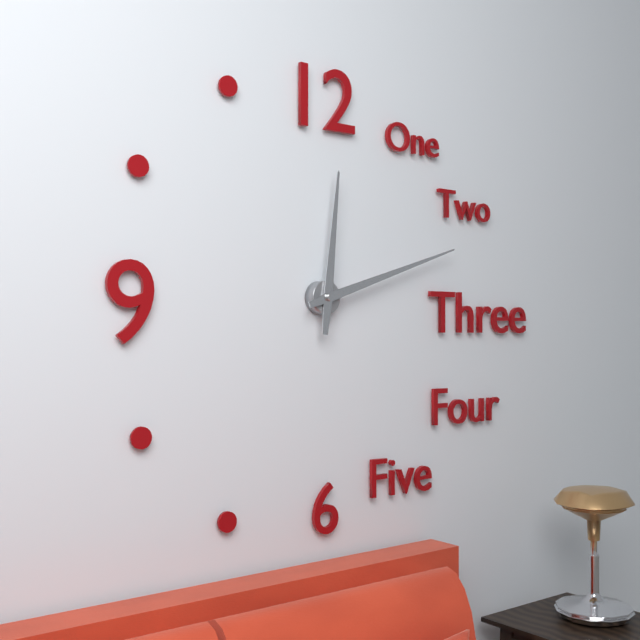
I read {"hour": 12, "minute": 12}
